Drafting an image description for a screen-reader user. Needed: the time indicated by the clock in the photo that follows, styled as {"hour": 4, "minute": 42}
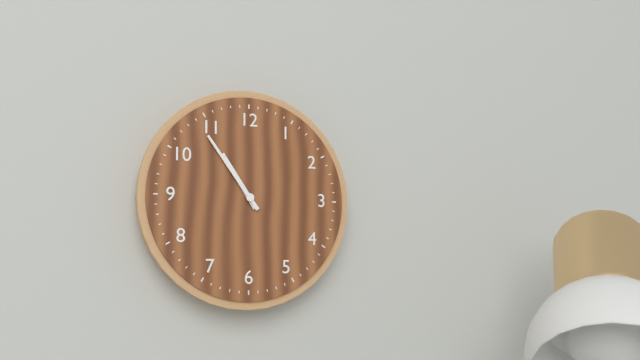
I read {"hour": 10, "minute": 54}
